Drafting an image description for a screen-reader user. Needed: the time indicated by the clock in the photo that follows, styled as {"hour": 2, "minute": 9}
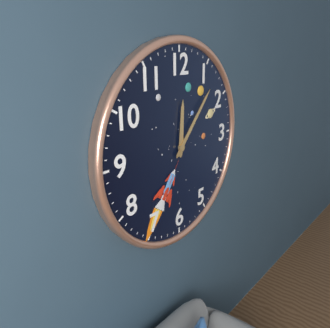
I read {"hour": 12, "minute": 7}
